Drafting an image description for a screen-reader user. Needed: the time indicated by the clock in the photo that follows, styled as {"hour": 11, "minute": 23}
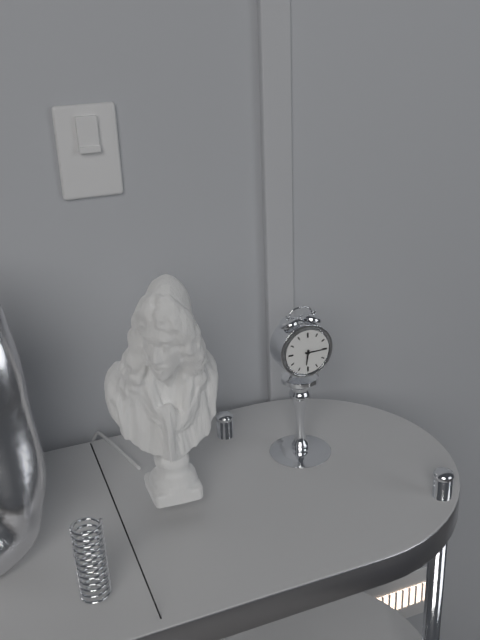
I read {"hour": 6, "minute": 15}
